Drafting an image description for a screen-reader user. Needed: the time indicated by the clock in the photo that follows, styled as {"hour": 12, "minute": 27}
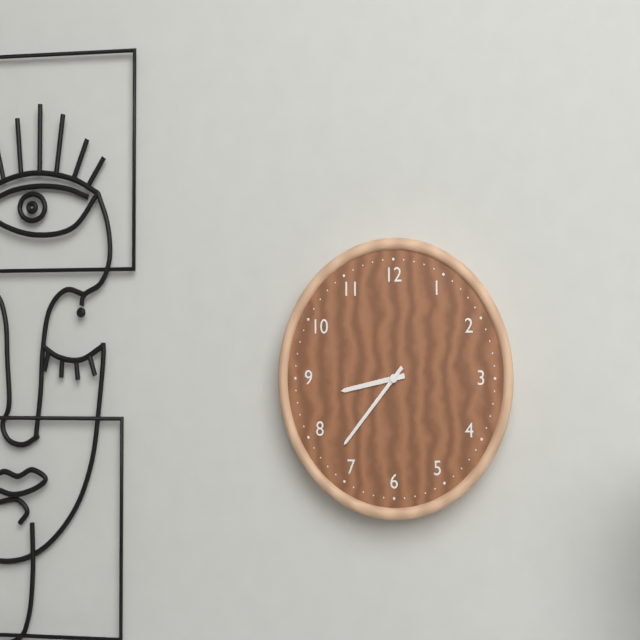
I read {"hour": 8, "minute": 37}
